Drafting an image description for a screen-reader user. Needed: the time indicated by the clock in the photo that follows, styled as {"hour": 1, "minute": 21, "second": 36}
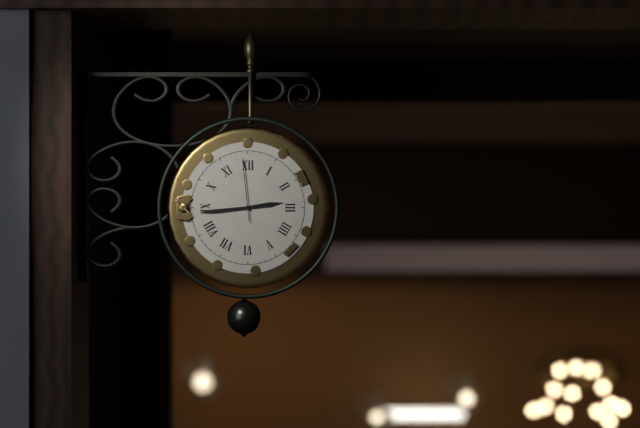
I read {"hour": 2, "minute": 44, "second": 59}
